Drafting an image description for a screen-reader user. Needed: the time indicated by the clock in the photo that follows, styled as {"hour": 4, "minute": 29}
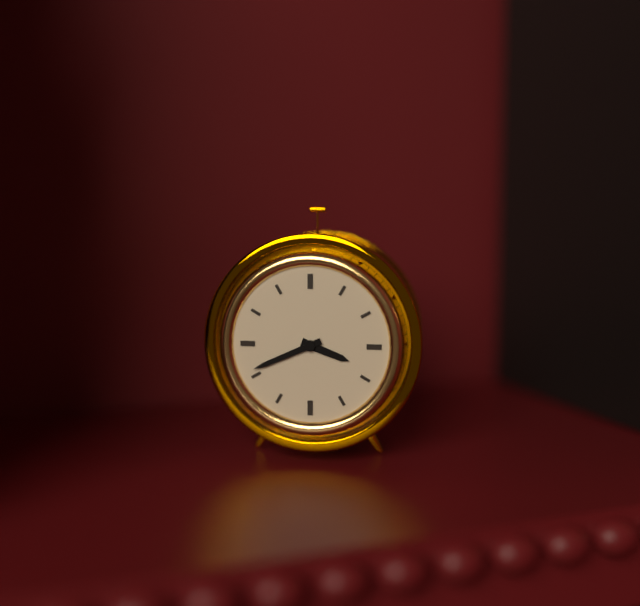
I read {"hour": 3, "minute": 41}
